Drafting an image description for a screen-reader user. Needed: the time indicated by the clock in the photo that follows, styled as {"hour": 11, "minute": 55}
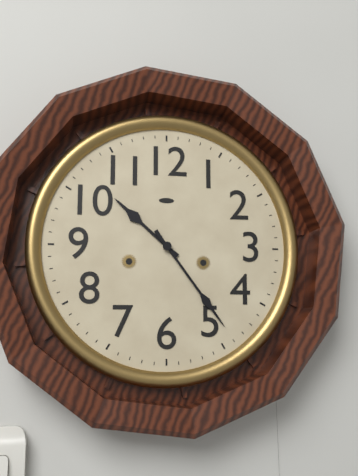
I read {"hour": 10, "minute": 24}
